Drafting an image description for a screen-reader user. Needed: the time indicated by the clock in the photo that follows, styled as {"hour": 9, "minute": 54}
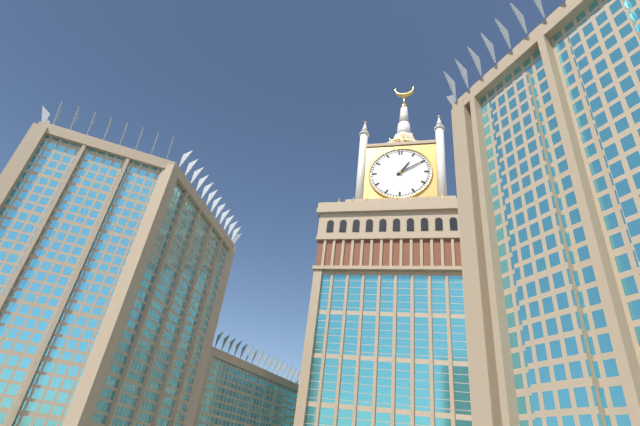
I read {"hour": 1, "minute": 10}
